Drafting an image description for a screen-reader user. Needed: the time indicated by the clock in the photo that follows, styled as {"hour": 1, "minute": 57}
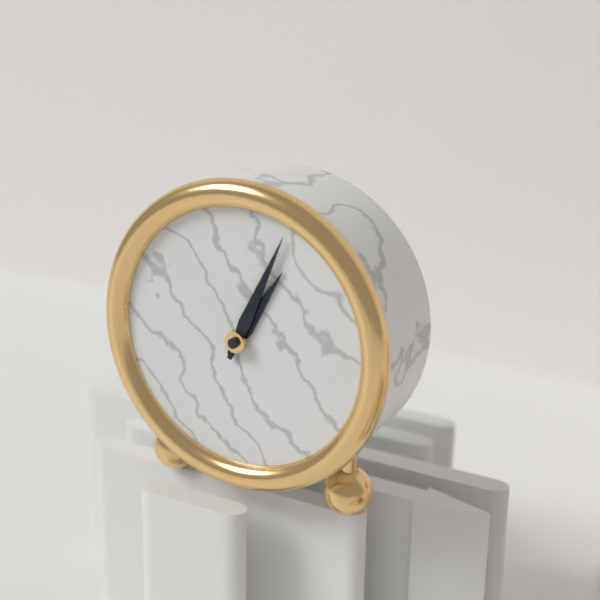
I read {"hour": 1, "minute": 4}
